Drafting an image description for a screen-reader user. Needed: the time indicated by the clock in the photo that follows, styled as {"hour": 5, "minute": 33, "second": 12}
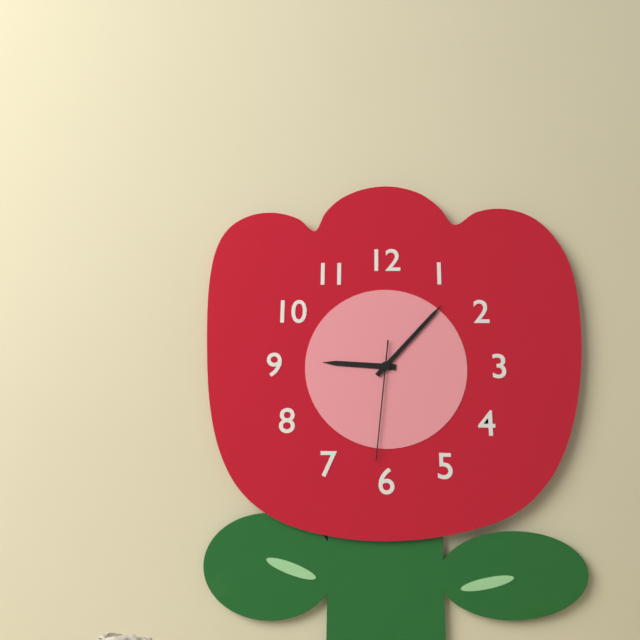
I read {"hour": 9, "minute": 7, "second": 31}
